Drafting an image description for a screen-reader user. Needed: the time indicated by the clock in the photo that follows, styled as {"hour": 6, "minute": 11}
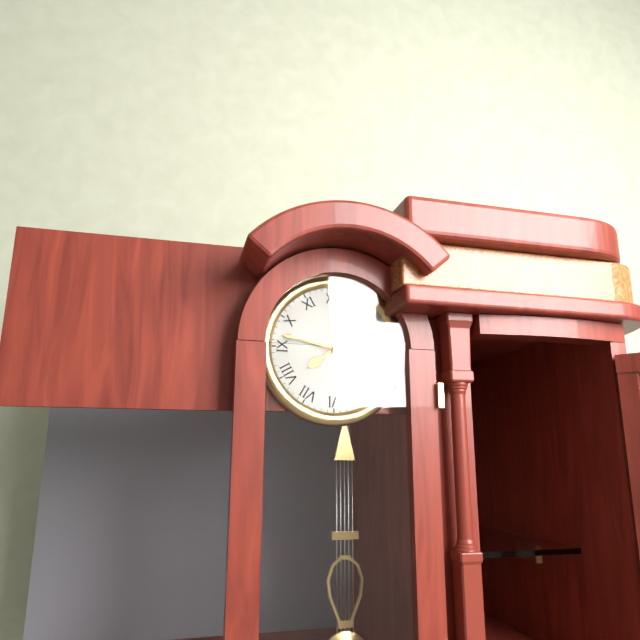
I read {"hour": 7, "minute": 47}
